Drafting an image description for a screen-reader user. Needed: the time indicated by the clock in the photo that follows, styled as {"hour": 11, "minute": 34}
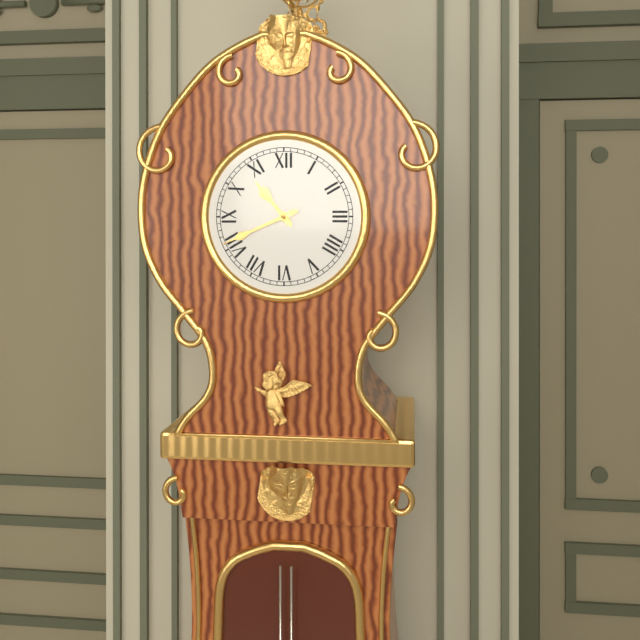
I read {"hour": 10, "minute": 41}
